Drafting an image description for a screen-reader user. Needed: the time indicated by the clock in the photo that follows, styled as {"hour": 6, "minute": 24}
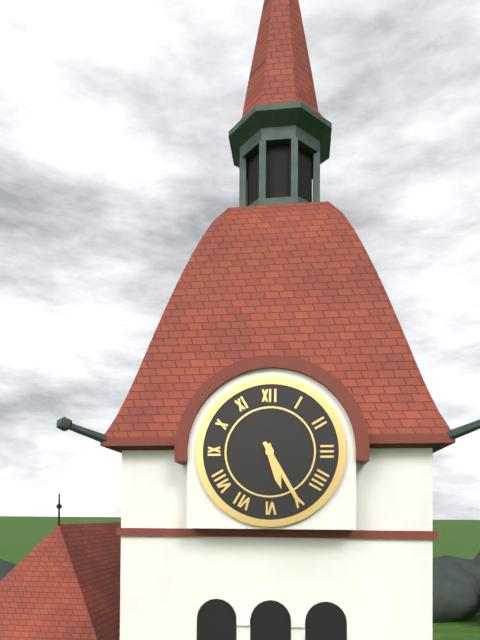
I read {"hour": 5, "minute": 25}
